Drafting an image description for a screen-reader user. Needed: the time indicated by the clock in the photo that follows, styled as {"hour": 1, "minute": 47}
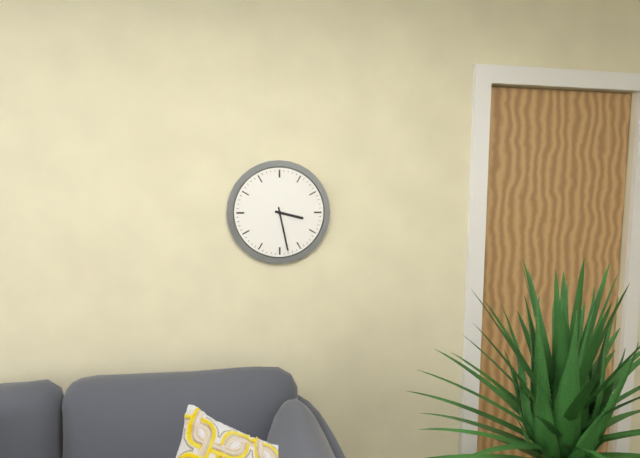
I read {"hour": 3, "minute": 28}
